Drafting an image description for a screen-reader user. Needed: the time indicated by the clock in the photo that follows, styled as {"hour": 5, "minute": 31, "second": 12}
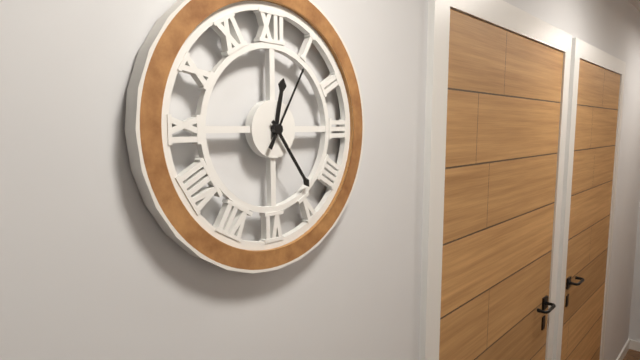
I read {"hour": 12, "minute": 24, "second": 5}
